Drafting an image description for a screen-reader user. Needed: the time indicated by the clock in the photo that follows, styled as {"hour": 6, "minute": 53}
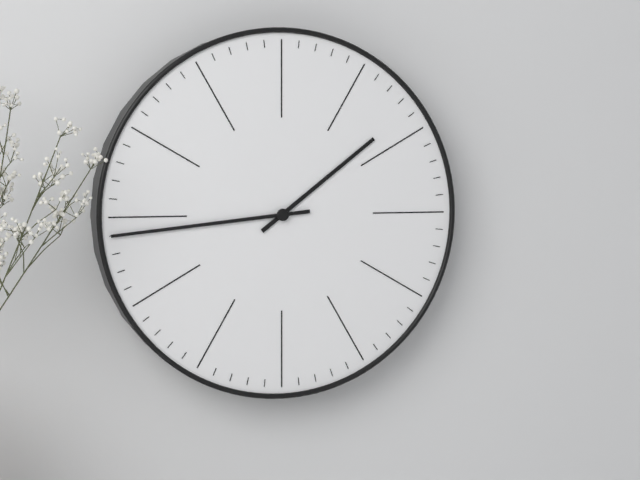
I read {"hour": 1, "minute": 44}
